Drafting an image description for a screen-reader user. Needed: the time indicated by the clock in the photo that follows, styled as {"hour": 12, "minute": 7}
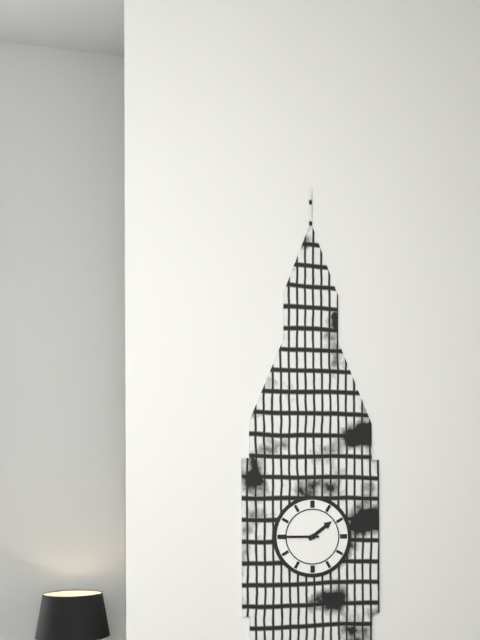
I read {"hour": 1, "minute": 45}
